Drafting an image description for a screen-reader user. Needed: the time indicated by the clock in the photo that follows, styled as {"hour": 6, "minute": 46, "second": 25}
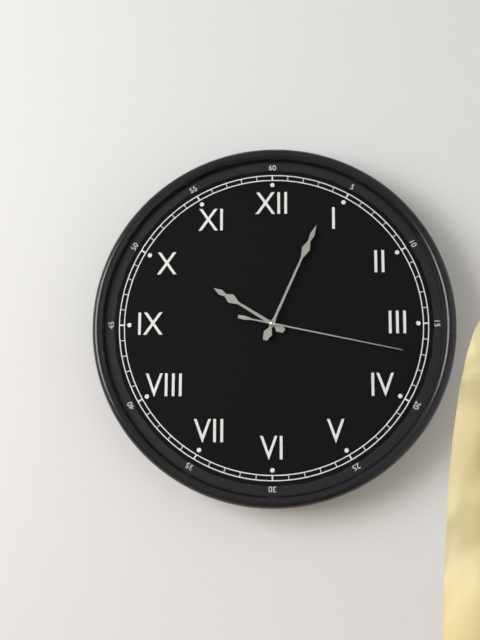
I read {"hour": 10, "minute": 4, "second": 17}
